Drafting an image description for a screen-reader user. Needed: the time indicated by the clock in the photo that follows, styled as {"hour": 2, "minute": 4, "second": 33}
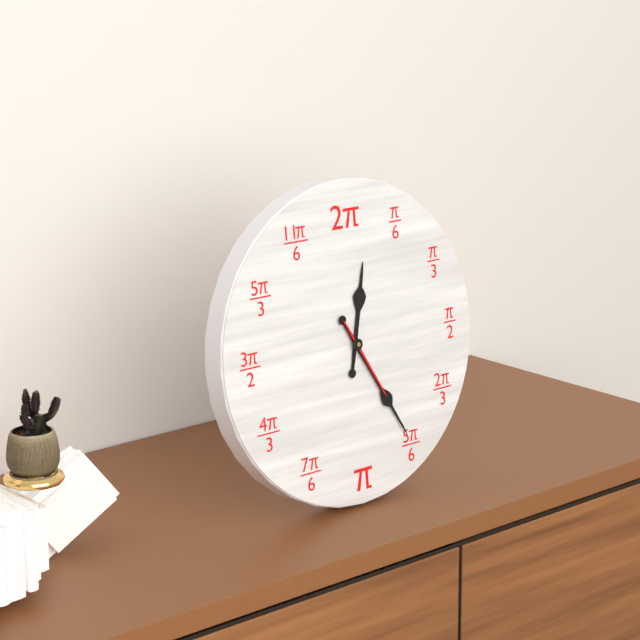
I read {"hour": 12, "minute": 25, "second": 25}
